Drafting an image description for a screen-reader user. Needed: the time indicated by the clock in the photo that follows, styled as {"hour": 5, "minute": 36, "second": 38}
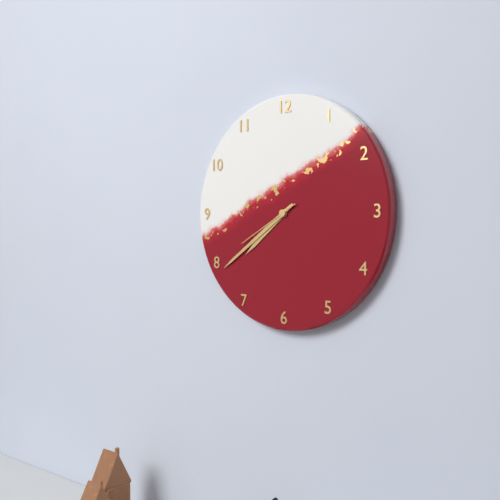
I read {"hour": 7, "minute": 39, "second": 40}
